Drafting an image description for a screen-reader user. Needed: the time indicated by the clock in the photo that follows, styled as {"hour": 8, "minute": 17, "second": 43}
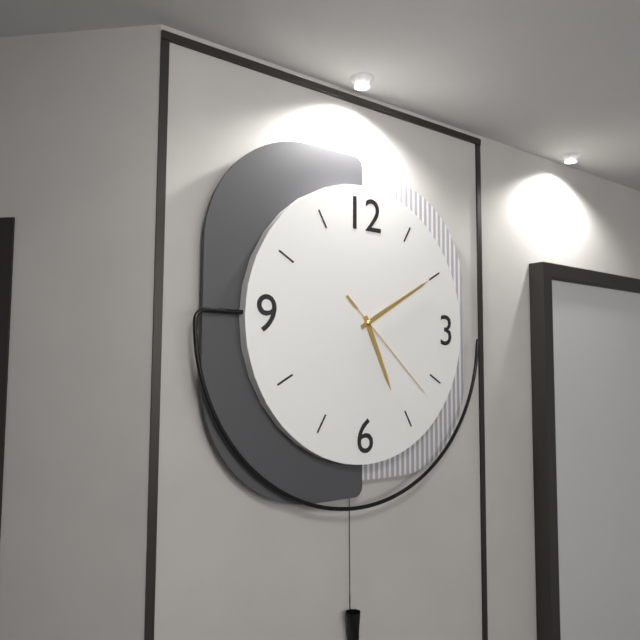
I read {"hour": 5, "minute": 10, "second": 22}
